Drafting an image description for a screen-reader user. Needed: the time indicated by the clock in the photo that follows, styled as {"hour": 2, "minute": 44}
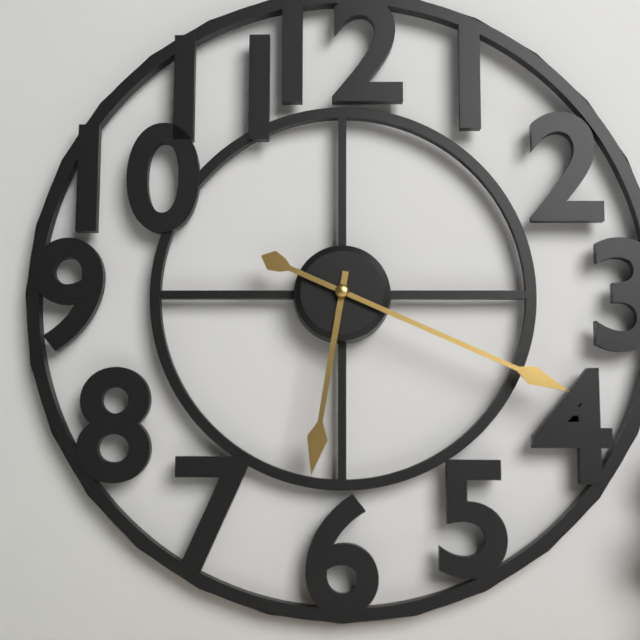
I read {"hour": 6, "minute": 19}
